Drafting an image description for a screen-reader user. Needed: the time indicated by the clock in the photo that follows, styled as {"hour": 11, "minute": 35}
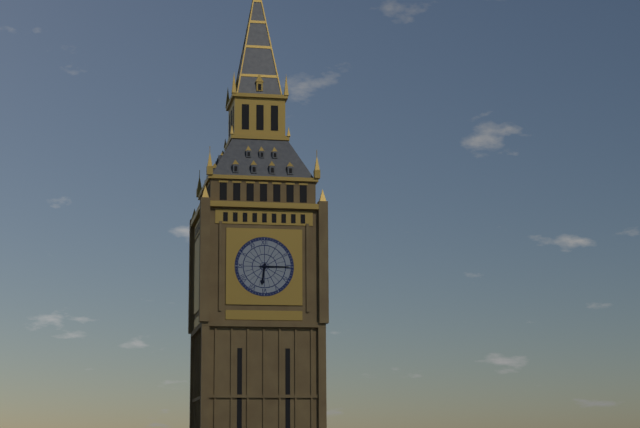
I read {"hour": 6, "minute": 15}
